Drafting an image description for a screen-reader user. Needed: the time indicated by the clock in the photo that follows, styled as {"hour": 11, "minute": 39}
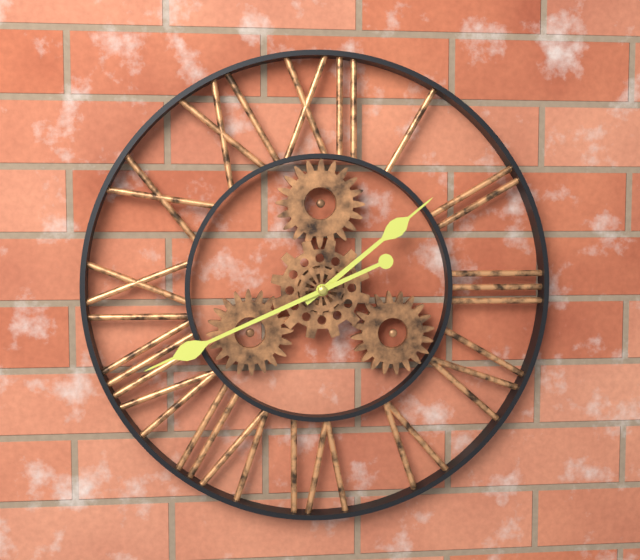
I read {"hour": 1, "minute": 41}
